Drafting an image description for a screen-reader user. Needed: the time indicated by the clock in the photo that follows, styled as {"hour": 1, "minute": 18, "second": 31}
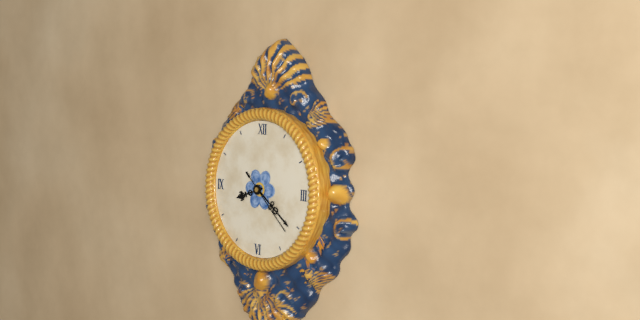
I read {"hour": 8, "minute": 21, "second": 22}
